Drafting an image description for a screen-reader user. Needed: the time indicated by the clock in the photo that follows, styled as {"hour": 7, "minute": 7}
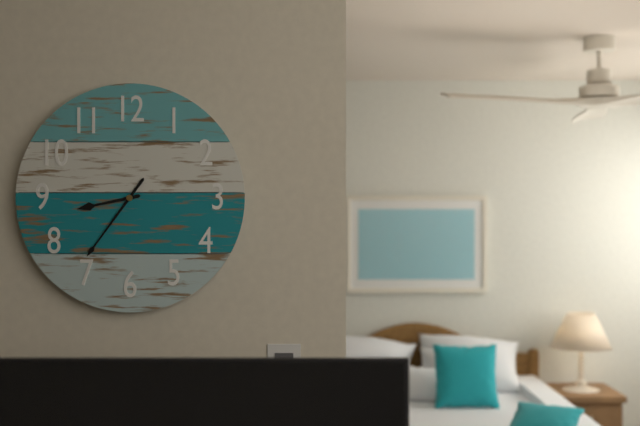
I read {"hour": 8, "minute": 36}
